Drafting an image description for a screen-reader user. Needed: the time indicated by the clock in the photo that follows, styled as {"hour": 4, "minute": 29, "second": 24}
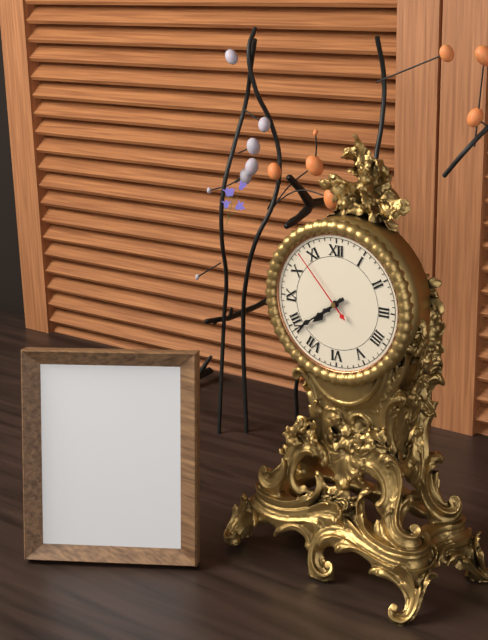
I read {"hour": 7, "minute": 39, "second": 53}
